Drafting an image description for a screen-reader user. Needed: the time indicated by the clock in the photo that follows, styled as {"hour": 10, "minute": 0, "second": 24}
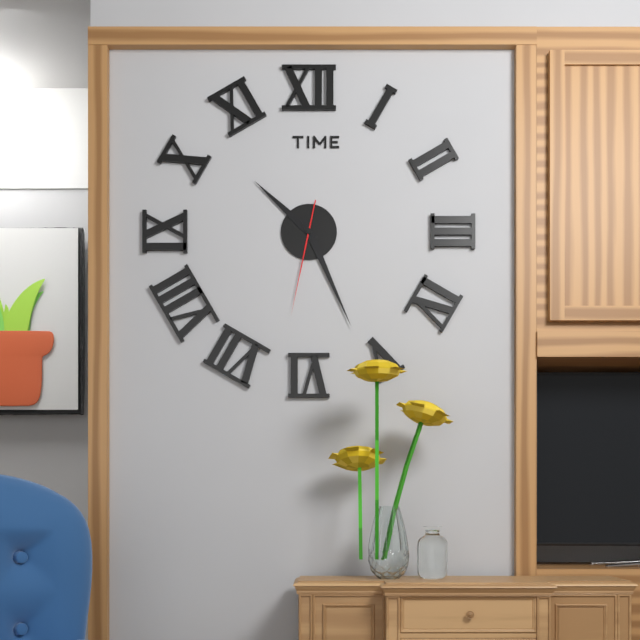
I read {"hour": 10, "minute": 26, "second": 32}
